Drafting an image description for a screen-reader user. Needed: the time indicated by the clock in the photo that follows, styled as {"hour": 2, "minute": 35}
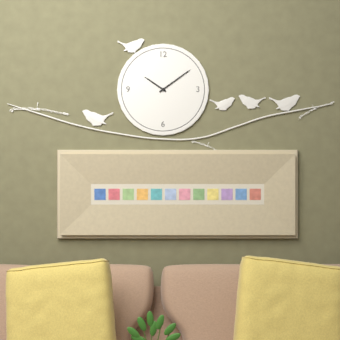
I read {"hour": 10, "minute": 9}
